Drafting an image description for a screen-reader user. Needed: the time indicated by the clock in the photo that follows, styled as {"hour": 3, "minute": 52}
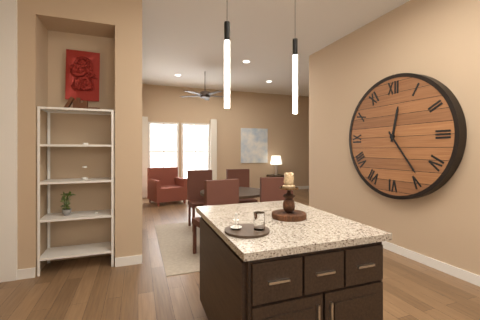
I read {"hour": 12, "minute": 24}
